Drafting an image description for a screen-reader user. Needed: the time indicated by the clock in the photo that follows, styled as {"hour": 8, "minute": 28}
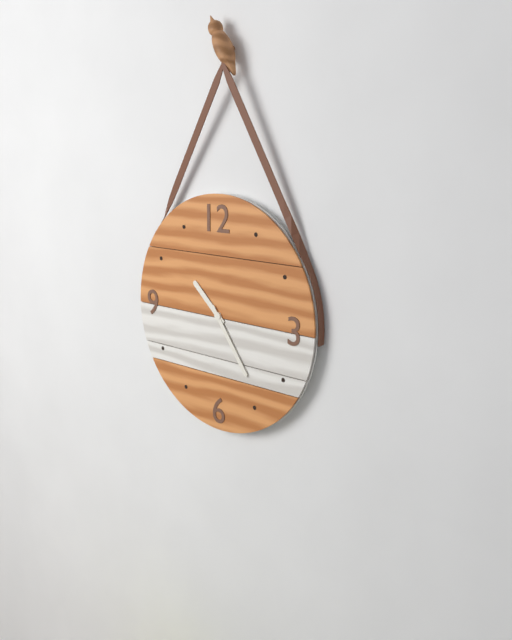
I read {"hour": 10, "minute": 24}
